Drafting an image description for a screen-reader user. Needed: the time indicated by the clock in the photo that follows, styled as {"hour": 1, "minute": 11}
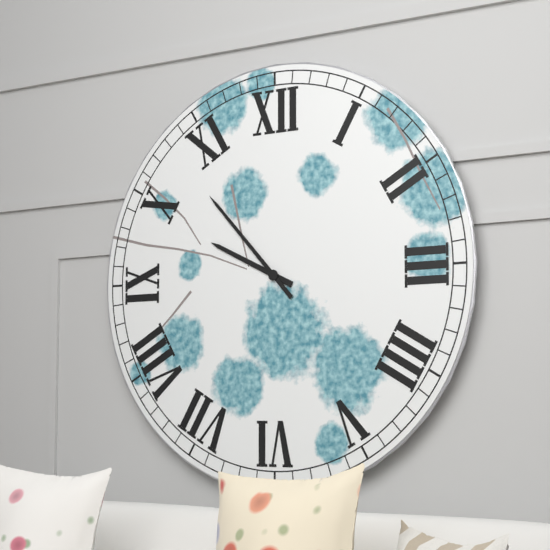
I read {"hour": 9, "minute": 53}
